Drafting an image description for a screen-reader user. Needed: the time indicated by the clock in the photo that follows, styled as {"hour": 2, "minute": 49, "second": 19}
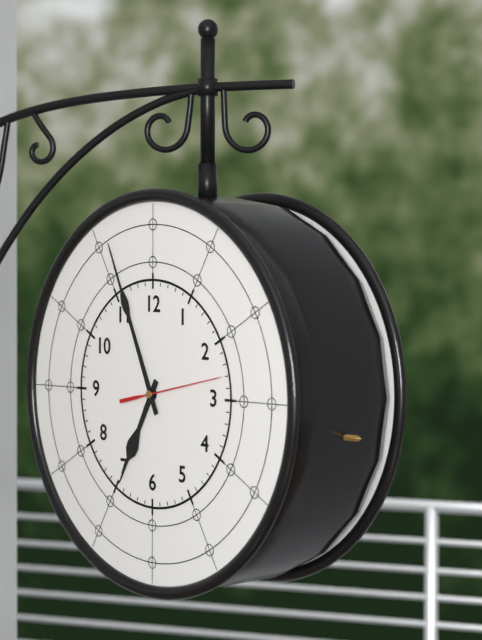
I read {"hour": 6, "minute": 56, "second": 13}
